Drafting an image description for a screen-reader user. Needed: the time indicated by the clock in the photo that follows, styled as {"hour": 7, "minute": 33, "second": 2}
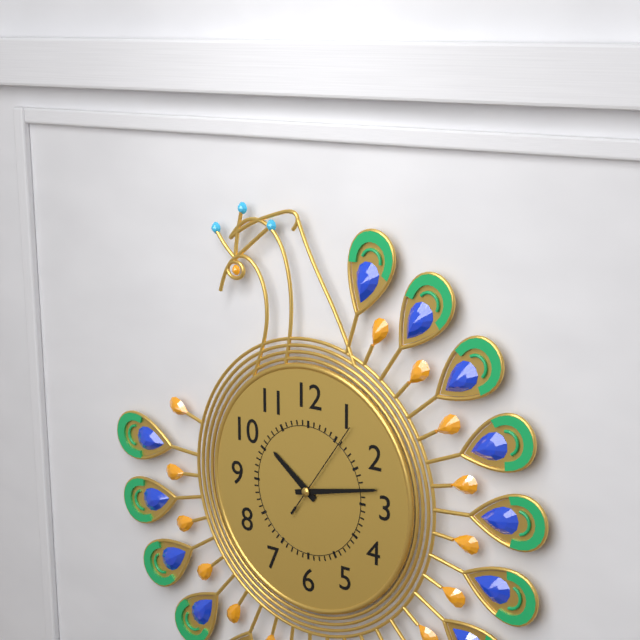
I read {"hour": 10, "minute": 13, "second": 6}
